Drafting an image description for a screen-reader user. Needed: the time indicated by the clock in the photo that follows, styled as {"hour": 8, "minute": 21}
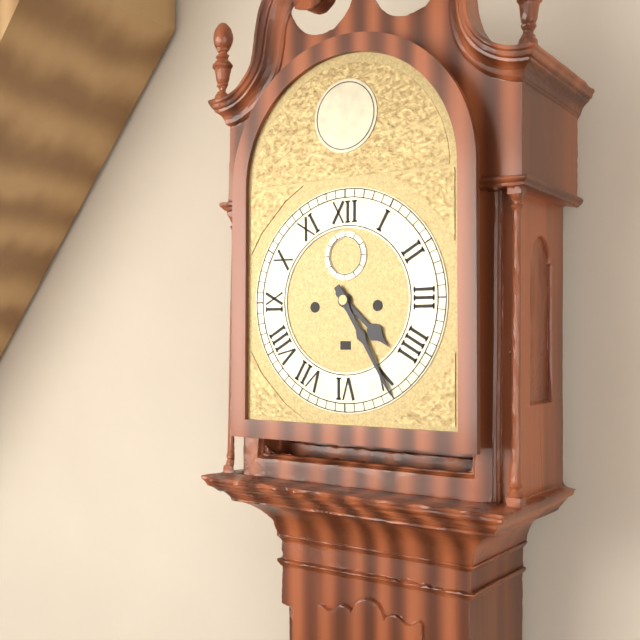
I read {"hour": 4, "minute": 25}
